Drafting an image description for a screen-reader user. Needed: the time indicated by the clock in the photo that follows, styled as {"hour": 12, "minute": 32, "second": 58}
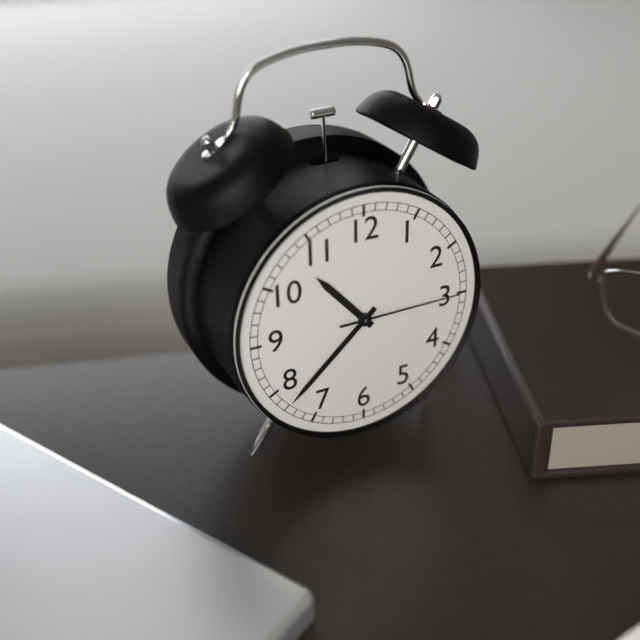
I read {"hour": 10, "minute": 38, "second": 15}
